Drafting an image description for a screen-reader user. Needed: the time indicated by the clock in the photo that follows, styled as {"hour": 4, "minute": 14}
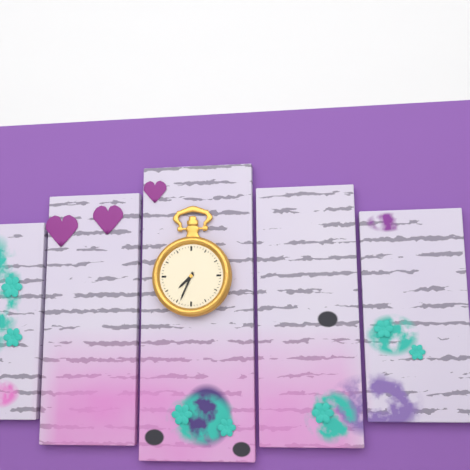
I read {"hour": 7, "minute": 34}
